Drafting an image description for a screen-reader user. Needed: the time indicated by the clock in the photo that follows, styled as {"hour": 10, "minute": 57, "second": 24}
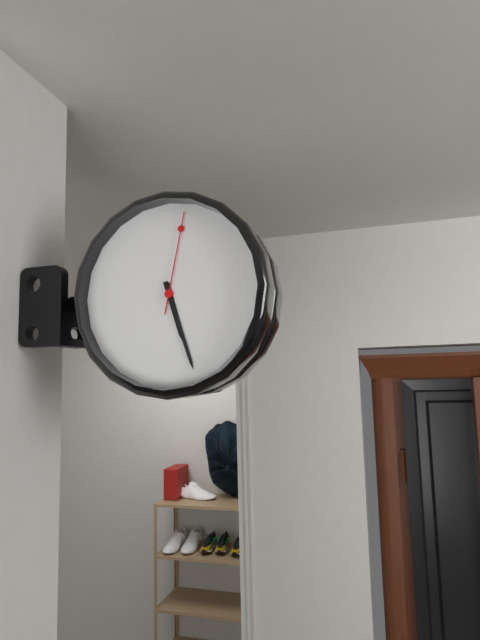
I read {"hour": 5, "minute": 27, "second": 2}
